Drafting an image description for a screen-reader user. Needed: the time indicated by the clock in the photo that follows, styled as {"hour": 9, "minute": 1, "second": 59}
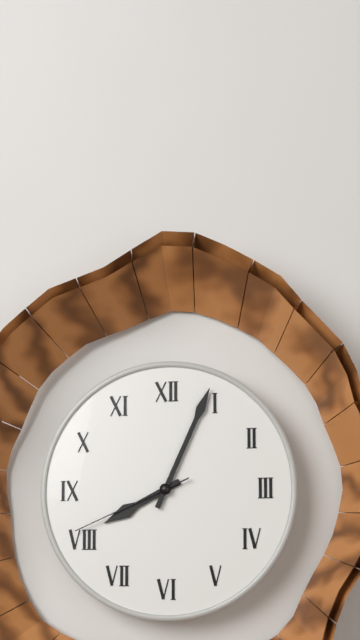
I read {"hour": 8, "minute": 4, "second": 41}
